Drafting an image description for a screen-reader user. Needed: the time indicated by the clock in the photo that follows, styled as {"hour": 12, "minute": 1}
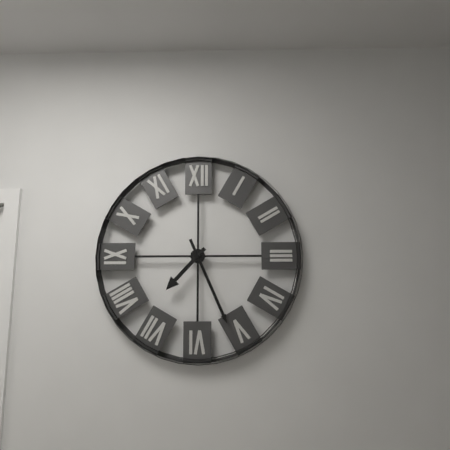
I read {"hour": 7, "minute": 26}
